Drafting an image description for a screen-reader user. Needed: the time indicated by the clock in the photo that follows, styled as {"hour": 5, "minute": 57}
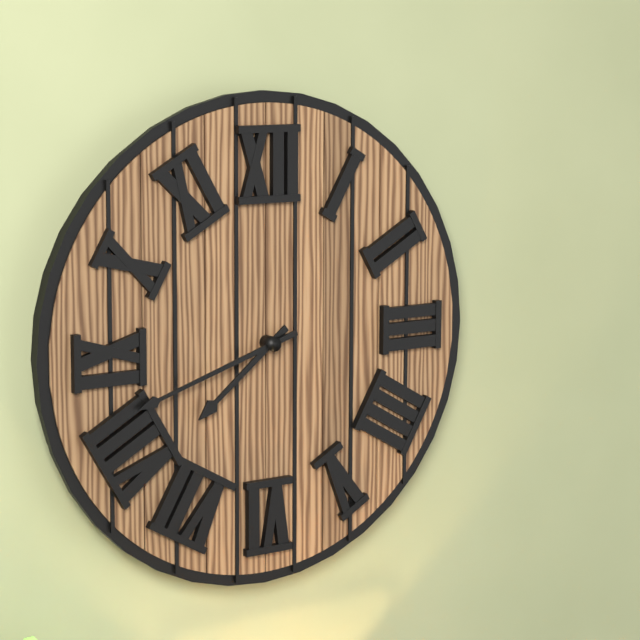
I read {"hour": 7, "minute": 42}
